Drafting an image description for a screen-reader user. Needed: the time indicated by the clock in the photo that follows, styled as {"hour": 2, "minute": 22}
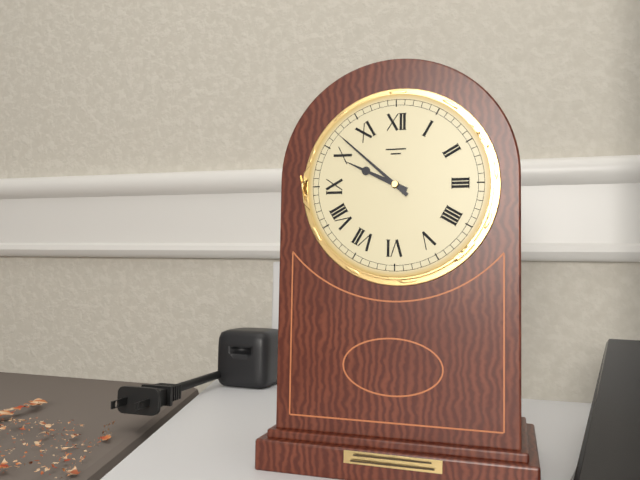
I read {"hour": 9, "minute": 52}
